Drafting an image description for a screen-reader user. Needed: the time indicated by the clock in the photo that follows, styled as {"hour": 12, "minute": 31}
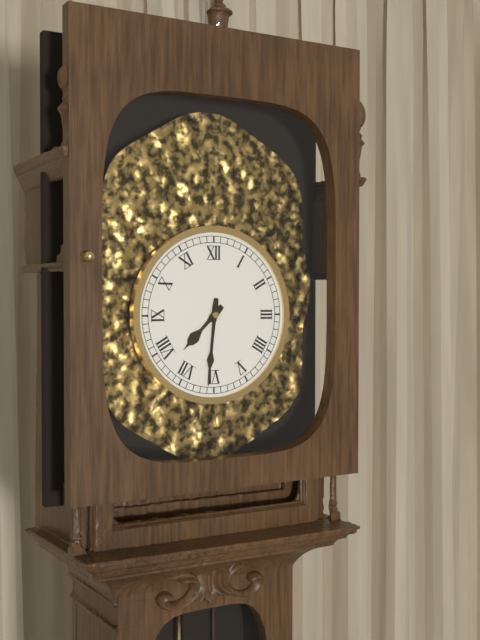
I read {"hour": 7, "minute": 31}
